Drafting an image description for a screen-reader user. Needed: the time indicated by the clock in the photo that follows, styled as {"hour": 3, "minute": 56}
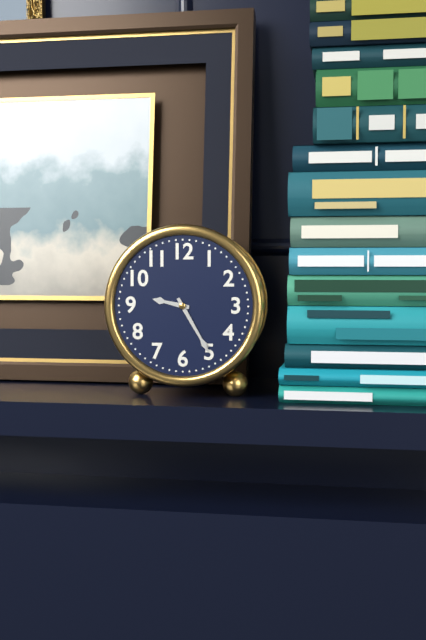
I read {"hour": 9, "minute": 25}
